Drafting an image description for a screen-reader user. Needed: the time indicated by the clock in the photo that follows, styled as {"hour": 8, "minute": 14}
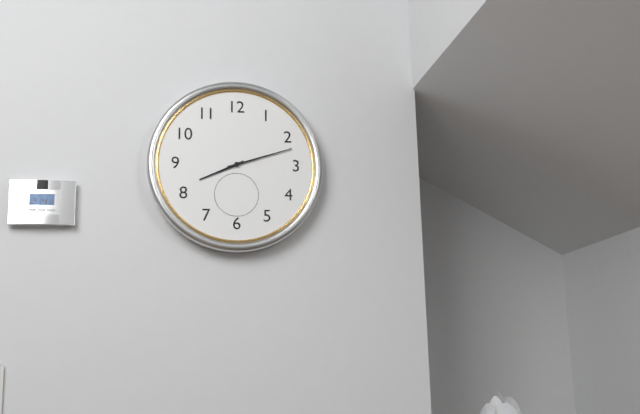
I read {"hour": 8, "minute": 12}
